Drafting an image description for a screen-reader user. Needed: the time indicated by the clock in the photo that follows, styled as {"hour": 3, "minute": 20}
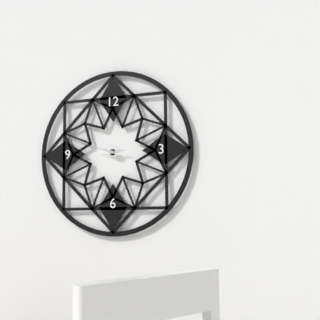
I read {"hour": 2, "minute": 48}
